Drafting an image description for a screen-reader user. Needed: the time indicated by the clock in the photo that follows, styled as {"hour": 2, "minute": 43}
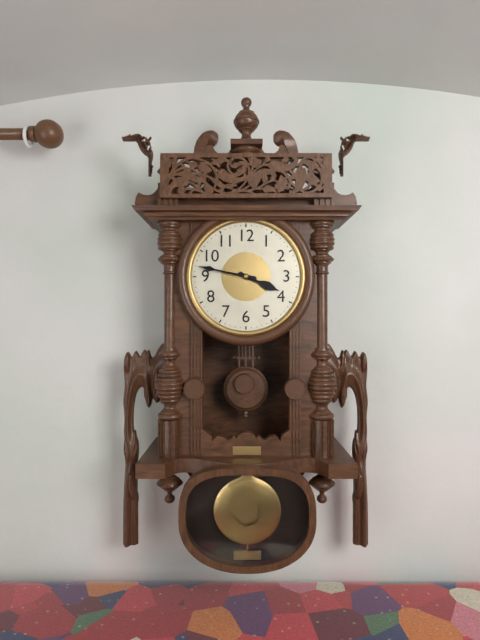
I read {"hour": 3, "minute": 47}
